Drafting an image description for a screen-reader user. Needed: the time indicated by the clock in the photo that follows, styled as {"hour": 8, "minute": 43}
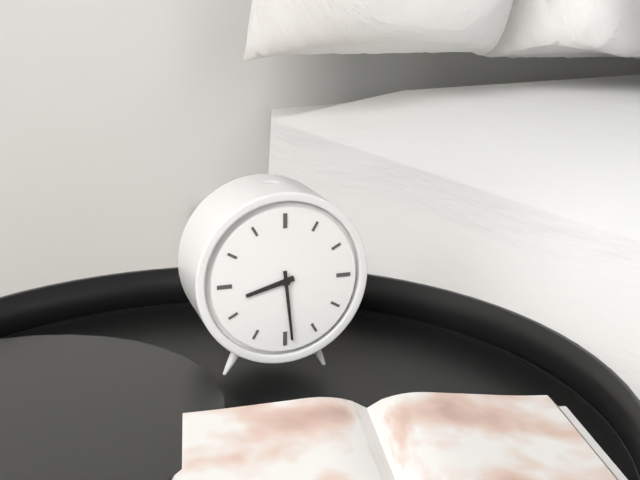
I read {"hour": 8, "minute": 29}
